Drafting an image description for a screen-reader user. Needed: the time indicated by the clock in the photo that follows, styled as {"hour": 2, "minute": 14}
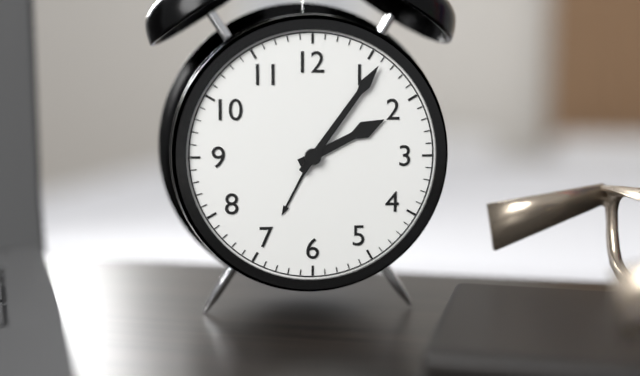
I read {"hour": 2, "minute": 6}
